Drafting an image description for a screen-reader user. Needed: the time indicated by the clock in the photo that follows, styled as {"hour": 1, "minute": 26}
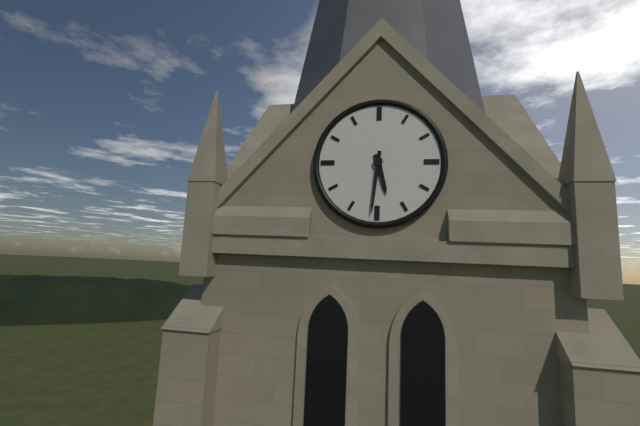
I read {"hour": 5, "minute": 31}
